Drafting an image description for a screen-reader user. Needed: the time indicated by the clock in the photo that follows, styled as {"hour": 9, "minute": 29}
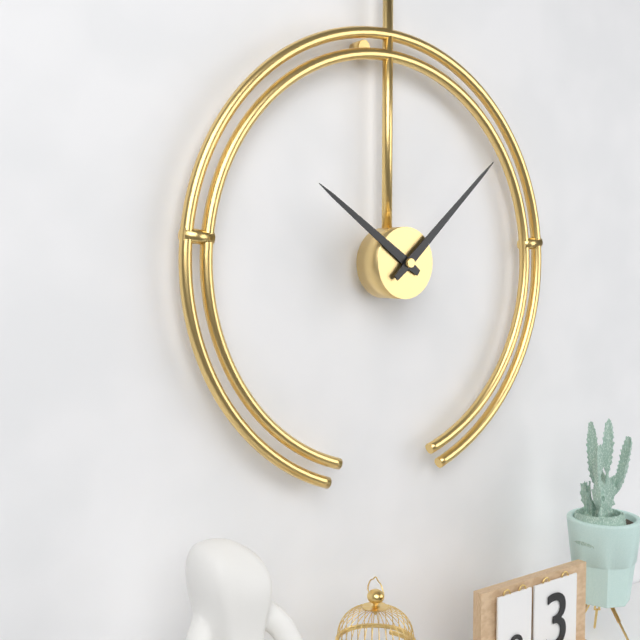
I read {"hour": 10, "minute": 8}
